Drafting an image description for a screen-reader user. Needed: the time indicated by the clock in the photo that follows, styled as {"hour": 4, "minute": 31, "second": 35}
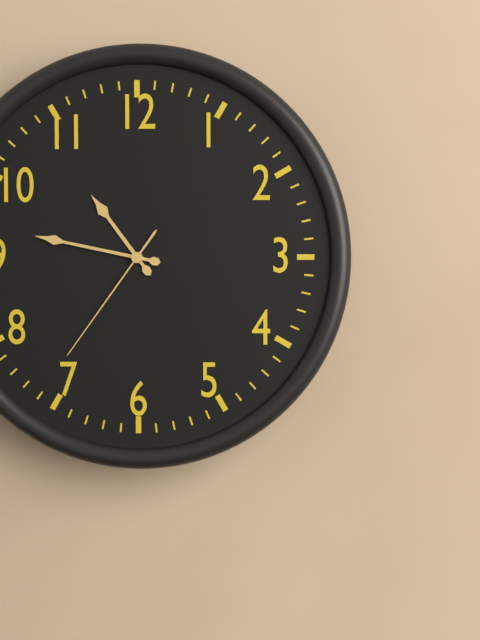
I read {"hour": 10, "minute": 47, "second": 36}
